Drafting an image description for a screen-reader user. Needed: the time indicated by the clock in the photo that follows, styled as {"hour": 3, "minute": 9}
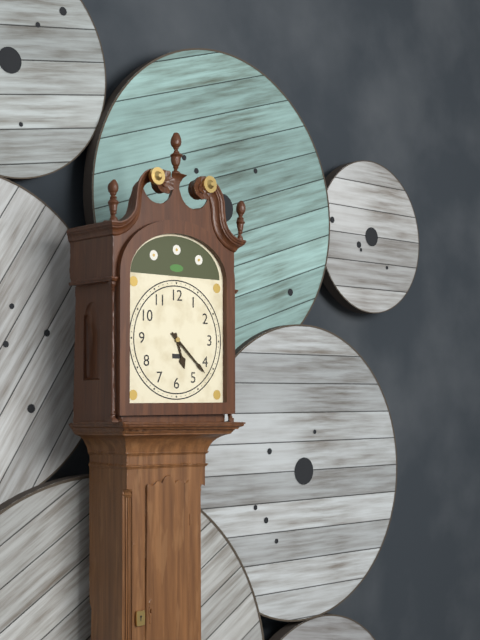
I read {"hour": 5, "minute": 22}
